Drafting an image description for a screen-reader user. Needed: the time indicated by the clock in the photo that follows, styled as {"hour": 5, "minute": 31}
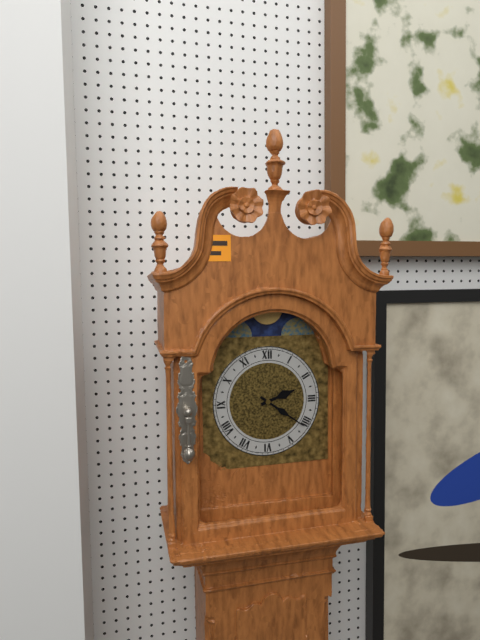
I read {"hour": 2, "minute": 21}
